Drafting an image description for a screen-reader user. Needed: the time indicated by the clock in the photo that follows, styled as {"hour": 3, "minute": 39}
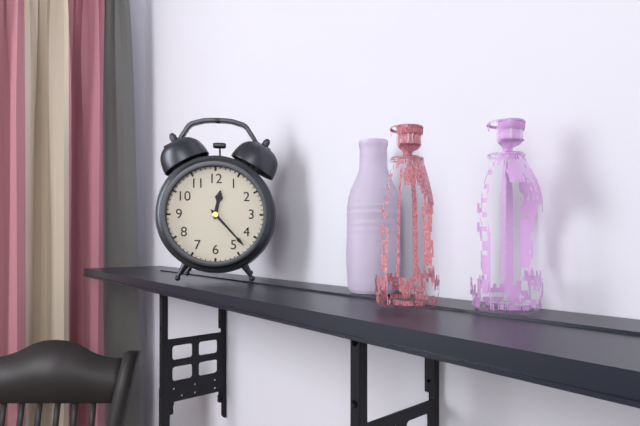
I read {"hour": 12, "minute": 23}
